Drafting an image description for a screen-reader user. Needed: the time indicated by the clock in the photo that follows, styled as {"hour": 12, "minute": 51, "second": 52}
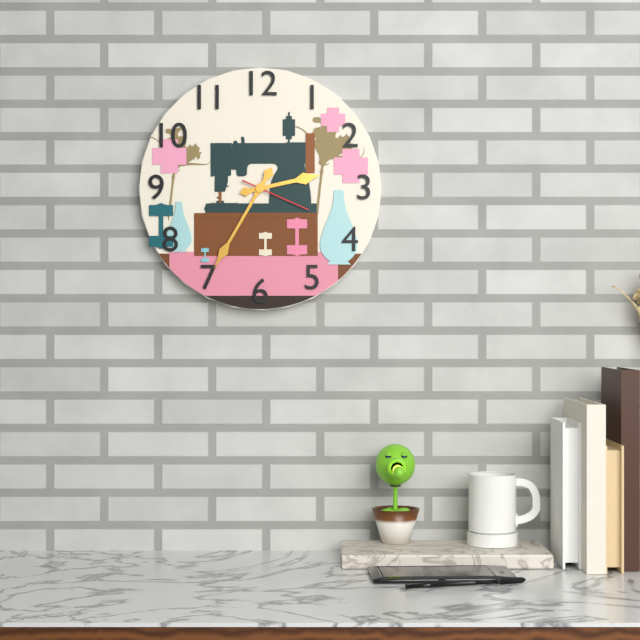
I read {"hour": 2, "minute": 35, "second": 19}
